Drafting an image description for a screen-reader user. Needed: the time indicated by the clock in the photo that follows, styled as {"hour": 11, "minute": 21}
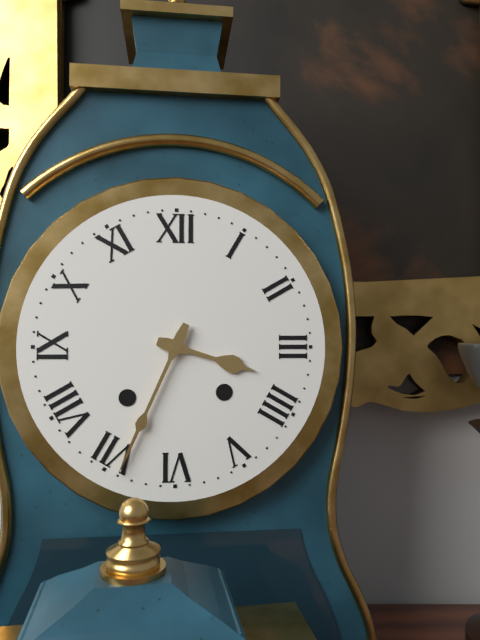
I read {"hour": 3, "minute": 34}
